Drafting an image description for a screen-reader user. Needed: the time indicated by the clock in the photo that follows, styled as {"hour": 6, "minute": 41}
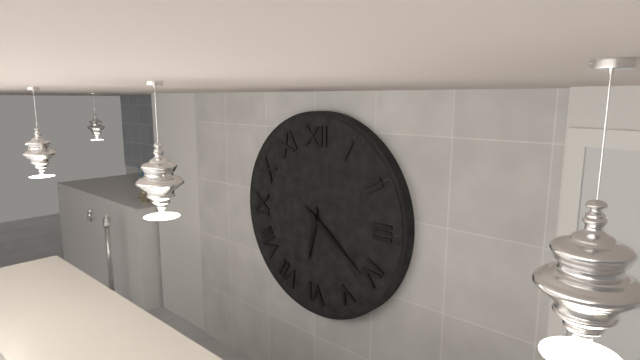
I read {"hour": 6, "minute": 21}
